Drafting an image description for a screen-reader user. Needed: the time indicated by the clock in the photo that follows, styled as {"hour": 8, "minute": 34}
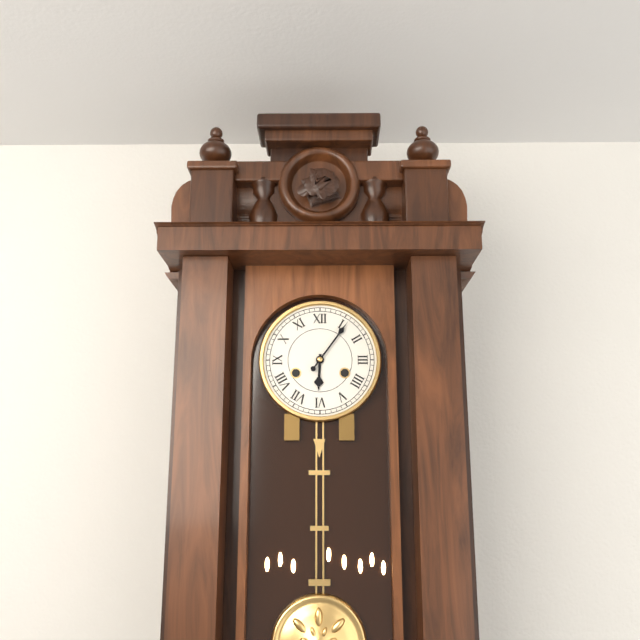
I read {"hour": 6, "minute": 6}
